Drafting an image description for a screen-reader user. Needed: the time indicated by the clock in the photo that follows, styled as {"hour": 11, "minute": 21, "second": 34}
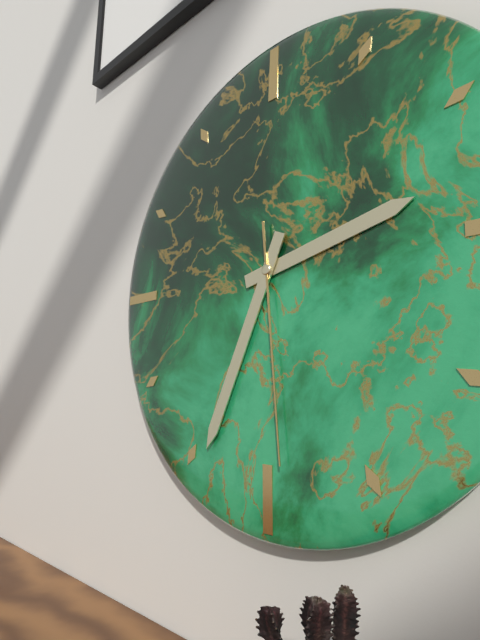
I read {"hour": 2, "minute": 34, "second": 29}
